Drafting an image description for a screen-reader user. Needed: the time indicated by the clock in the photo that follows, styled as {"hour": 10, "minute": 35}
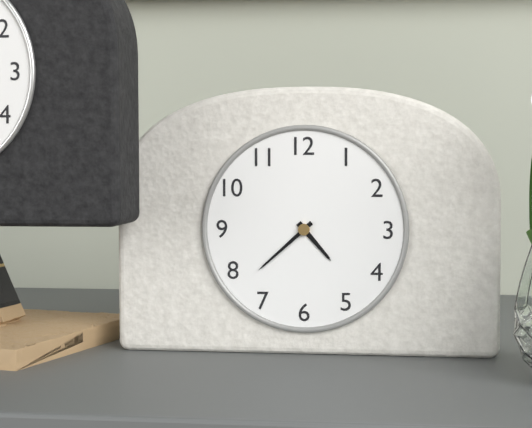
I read {"hour": 4, "minute": 38}
